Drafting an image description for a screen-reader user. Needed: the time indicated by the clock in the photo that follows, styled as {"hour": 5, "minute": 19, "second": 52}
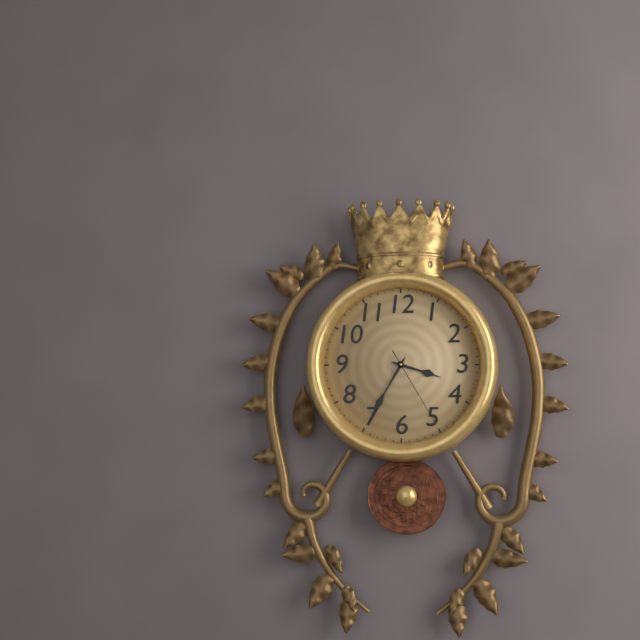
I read {"hour": 3, "minute": 35, "second": 25}
